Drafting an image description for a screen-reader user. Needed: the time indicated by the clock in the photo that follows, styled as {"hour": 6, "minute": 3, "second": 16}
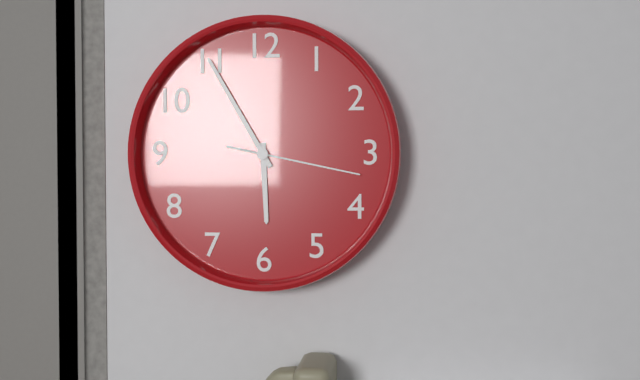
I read {"hour": 5, "minute": 55, "second": 17}
